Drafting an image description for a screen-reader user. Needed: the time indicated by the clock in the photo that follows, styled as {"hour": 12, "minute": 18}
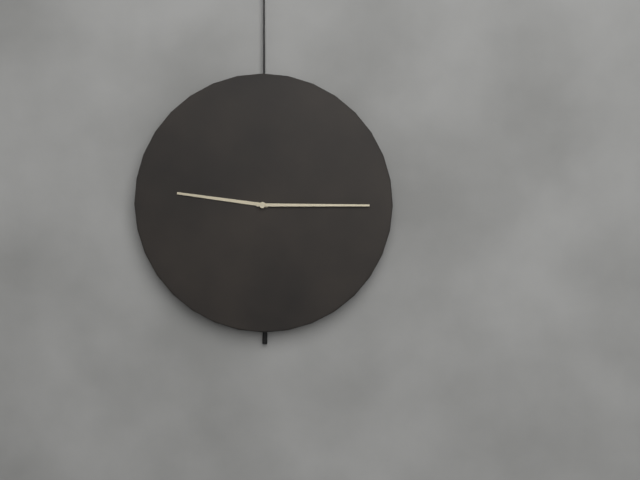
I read {"hour": 9, "minute": 15}
